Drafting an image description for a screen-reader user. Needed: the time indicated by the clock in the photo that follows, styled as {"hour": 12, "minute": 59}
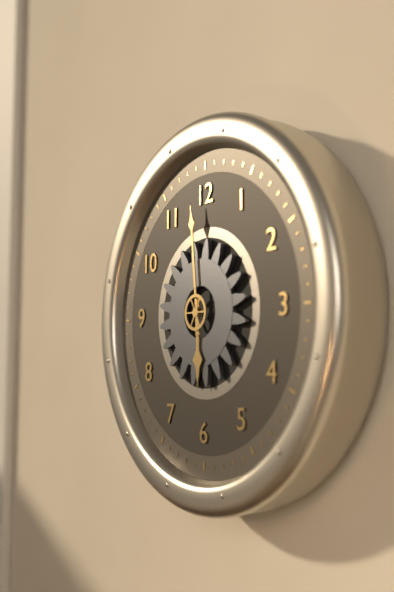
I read {"hour": 5, "minute": 59}
